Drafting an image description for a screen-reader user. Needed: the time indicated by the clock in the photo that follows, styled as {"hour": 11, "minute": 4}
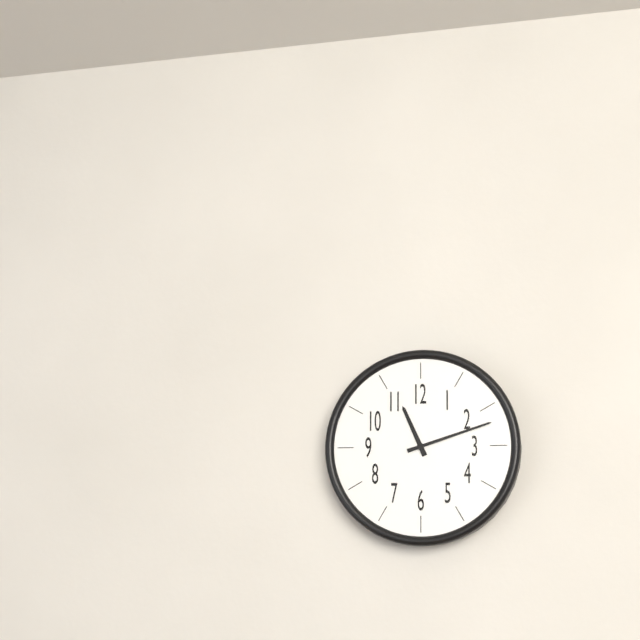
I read {"hour": 11, "minute": 12}
